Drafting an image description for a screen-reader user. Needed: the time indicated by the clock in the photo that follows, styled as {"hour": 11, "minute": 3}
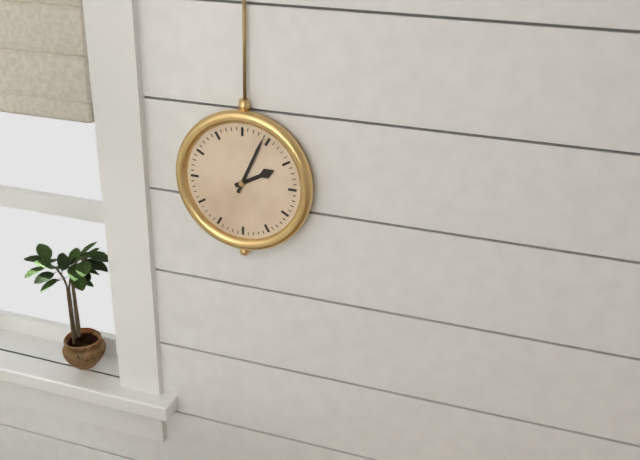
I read {"hour": 2, "minute": 4}
